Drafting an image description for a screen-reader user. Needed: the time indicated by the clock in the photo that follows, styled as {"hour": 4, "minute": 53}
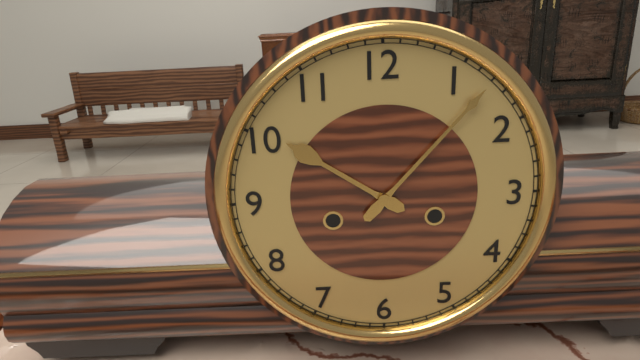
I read {"hour": 10, "minute": 7}
